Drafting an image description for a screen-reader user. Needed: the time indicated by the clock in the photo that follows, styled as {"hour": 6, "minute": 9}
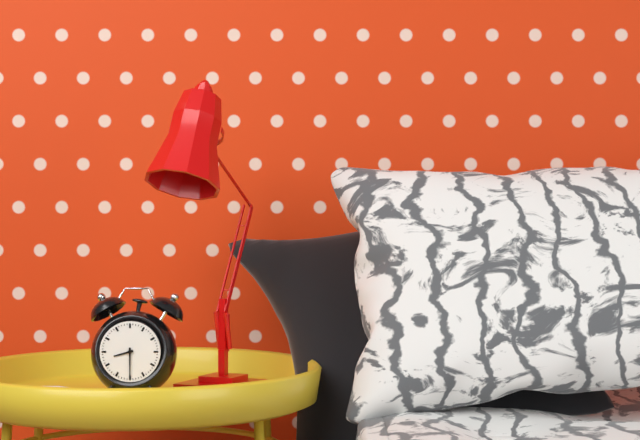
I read {"hour": 8, "minute": 30}
